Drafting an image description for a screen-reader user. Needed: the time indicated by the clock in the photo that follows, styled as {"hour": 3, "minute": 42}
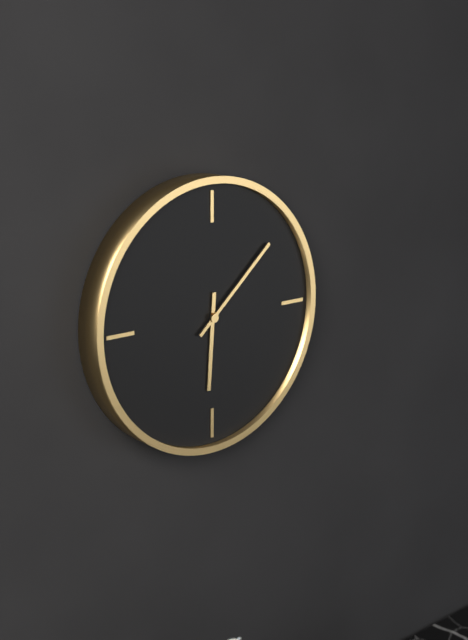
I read {"hour": 6, "minute": 8}
